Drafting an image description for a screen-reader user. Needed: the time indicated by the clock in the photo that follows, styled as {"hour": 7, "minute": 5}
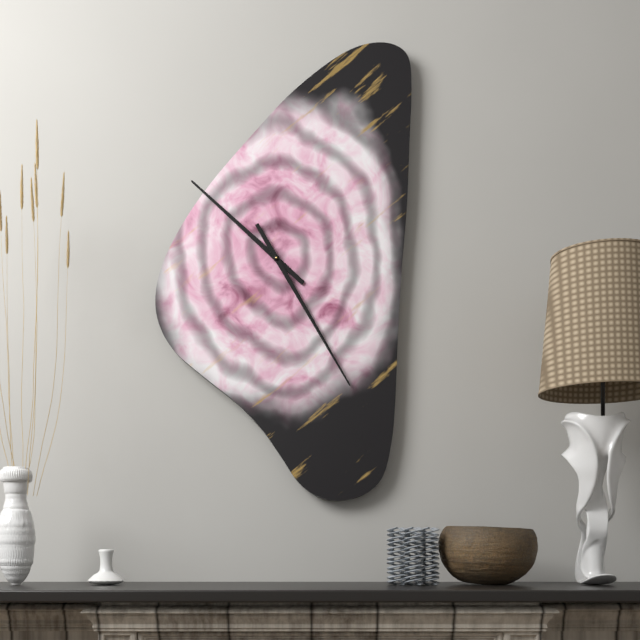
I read {"hour": 10, "minute": 25}
